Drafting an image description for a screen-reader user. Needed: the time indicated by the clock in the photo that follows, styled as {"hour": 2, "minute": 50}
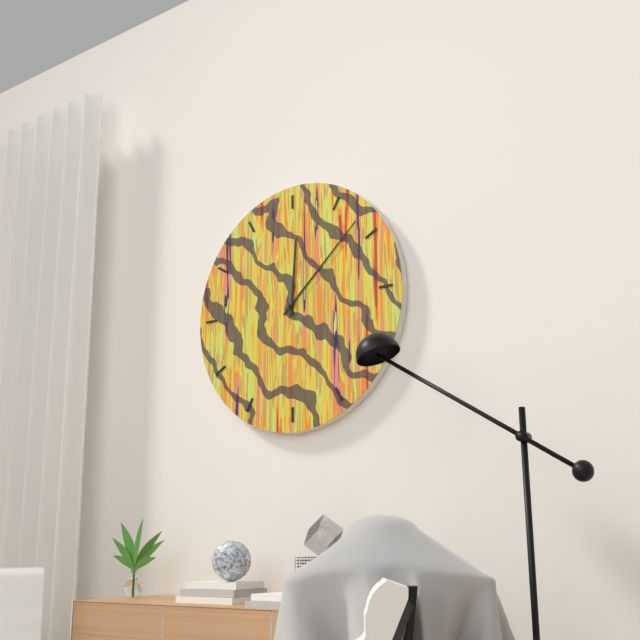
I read {"hour": 12, "minute": 8}
